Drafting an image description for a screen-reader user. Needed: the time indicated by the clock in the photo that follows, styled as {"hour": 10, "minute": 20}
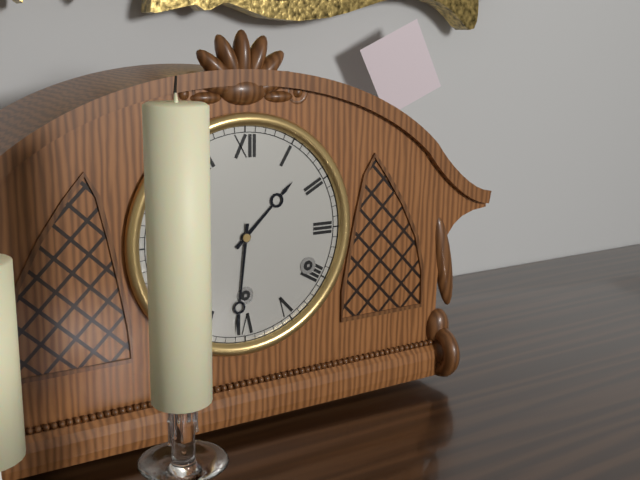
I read {"hour": 1, "minute": 31}
